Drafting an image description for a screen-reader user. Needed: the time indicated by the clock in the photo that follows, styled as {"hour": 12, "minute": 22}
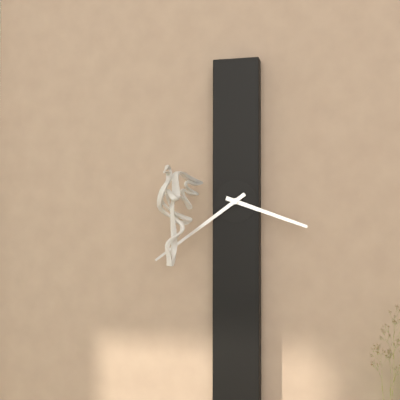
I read {"hour": 3, "minute": 39}
